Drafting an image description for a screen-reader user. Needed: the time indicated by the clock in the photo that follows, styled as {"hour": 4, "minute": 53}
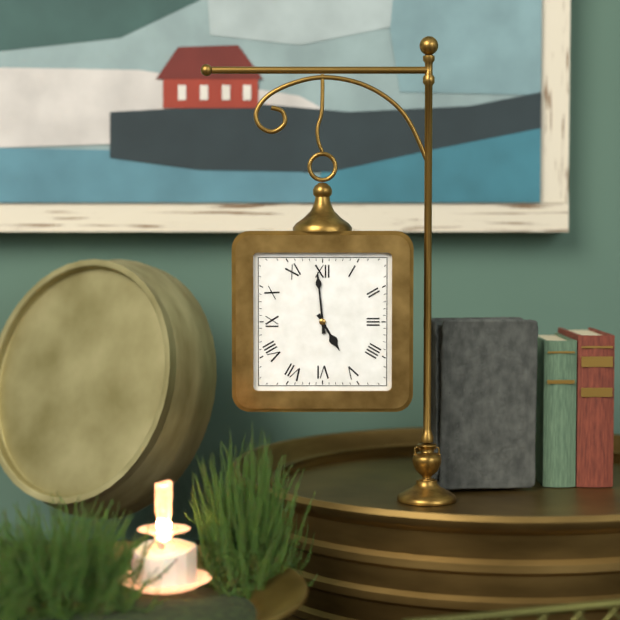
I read {"hour": 4, "minute": 59}
